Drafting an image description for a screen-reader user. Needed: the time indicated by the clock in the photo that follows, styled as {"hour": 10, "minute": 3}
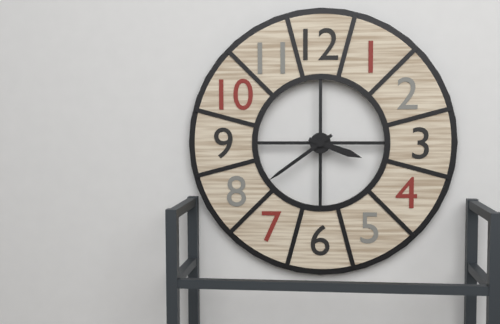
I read {"hour": 3, "minute": 39}
